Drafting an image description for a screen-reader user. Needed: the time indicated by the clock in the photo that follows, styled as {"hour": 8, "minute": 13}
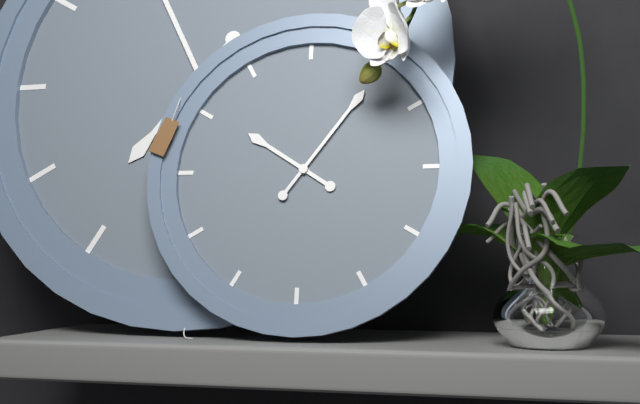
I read {"hour": 10, "minute": 6}
